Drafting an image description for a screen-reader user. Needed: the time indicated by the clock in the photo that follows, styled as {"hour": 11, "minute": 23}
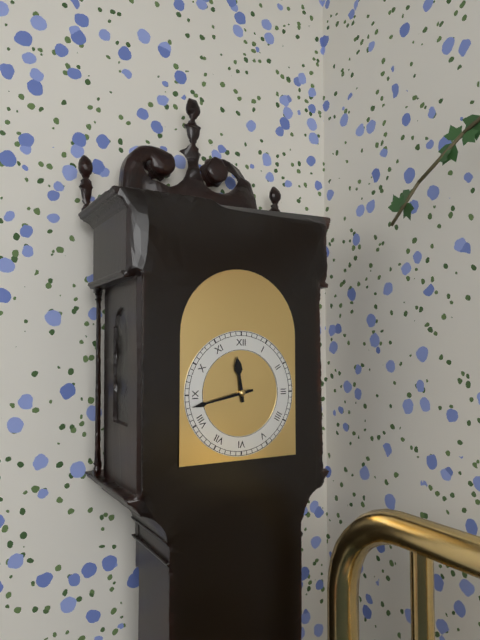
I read {"hour": 11, "minute": 43}
